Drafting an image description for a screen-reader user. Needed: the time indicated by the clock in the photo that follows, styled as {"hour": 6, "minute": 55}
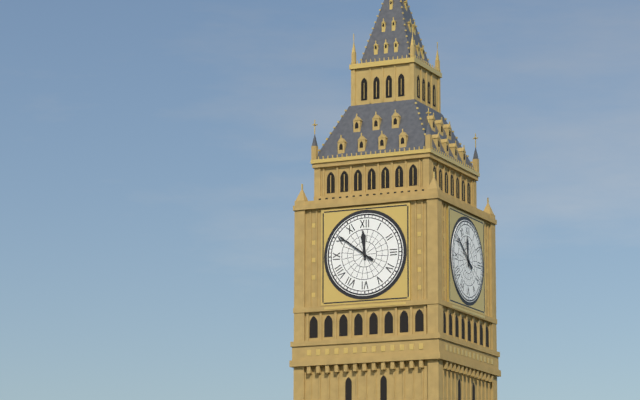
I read {"hour": 11, "minute": 51}
